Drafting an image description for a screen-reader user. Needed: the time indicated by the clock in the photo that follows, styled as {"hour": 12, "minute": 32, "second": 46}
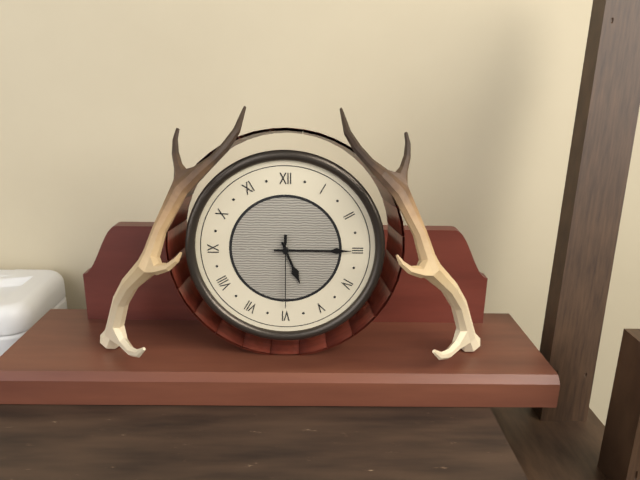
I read {"hour": 5, "minute": 15, "second": 30}
